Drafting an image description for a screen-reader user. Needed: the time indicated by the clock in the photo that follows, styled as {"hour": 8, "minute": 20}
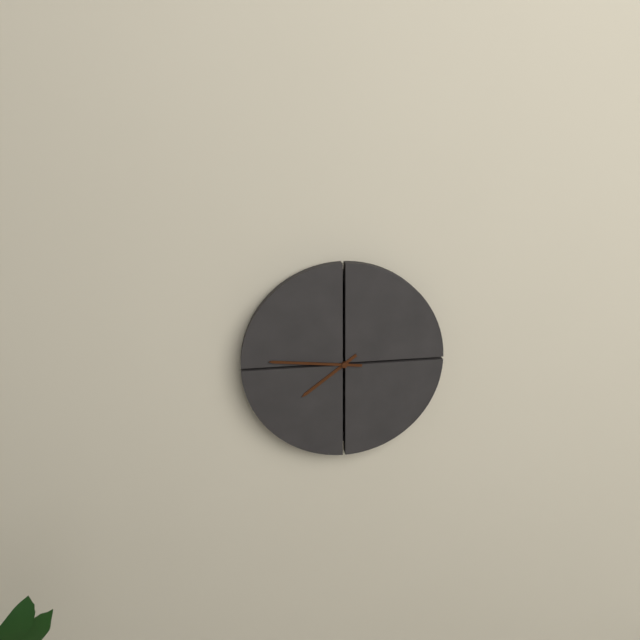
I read {"hour": 7, "minute": 46}
